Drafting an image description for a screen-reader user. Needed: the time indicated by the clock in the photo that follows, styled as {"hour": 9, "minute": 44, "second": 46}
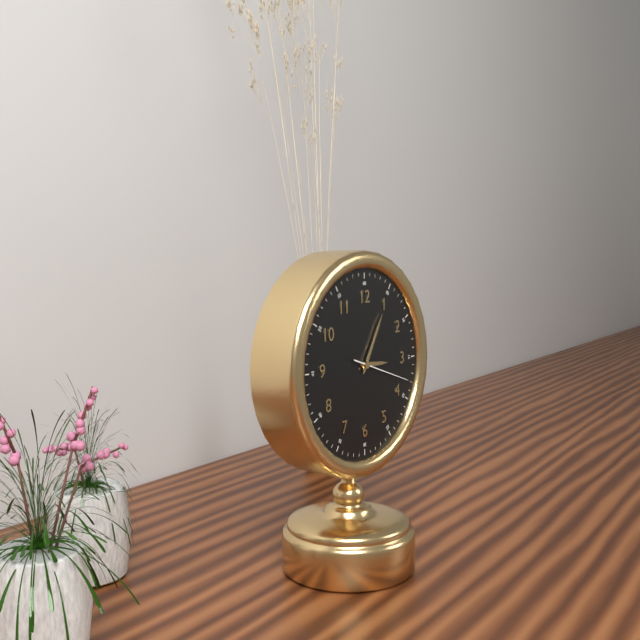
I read {"hour": 3, "minute": 5, "second": 18}
